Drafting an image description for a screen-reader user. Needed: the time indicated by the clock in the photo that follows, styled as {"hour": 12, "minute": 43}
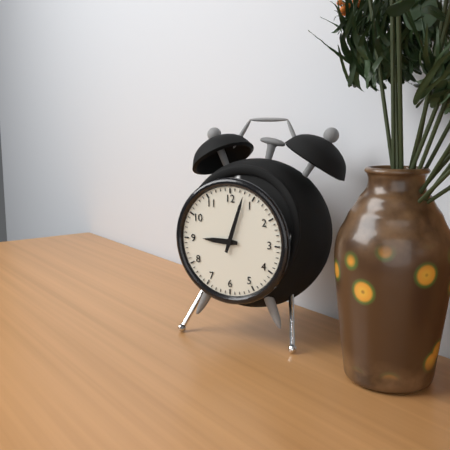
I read {"hour": 9, "minute": 3}
